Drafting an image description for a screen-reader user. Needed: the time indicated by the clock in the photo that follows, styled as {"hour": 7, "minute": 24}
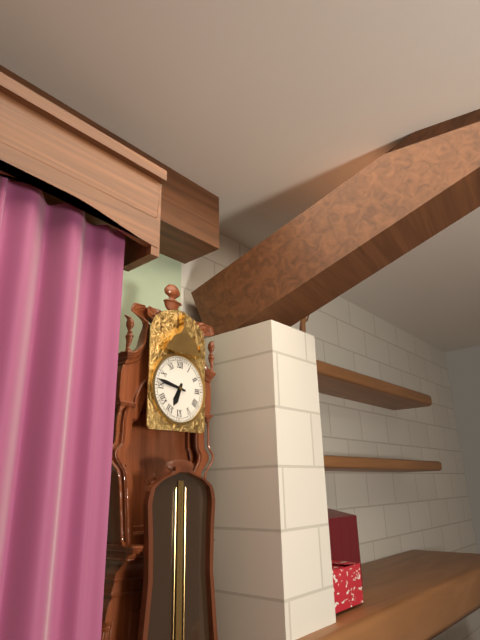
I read {"hour": 6, "minute": 47}
